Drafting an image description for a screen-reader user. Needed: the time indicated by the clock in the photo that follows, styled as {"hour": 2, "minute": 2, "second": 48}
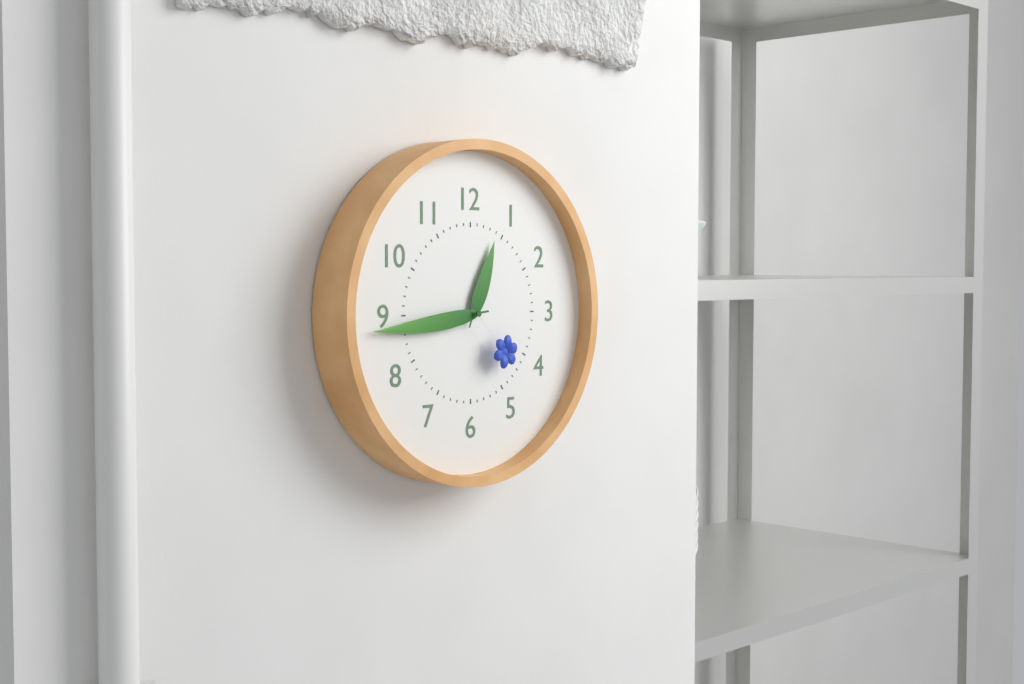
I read {"hour": 12, "minute": 44, "second": 23}
